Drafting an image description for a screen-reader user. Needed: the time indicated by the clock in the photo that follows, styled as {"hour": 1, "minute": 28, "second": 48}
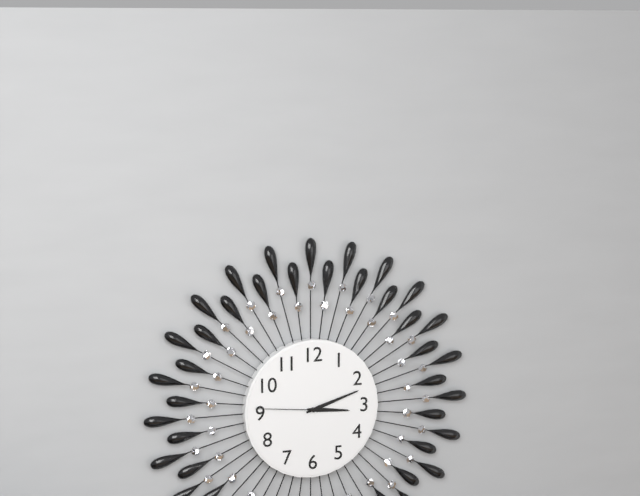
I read {"hour": 3, "minute": 12, "second": 46}
